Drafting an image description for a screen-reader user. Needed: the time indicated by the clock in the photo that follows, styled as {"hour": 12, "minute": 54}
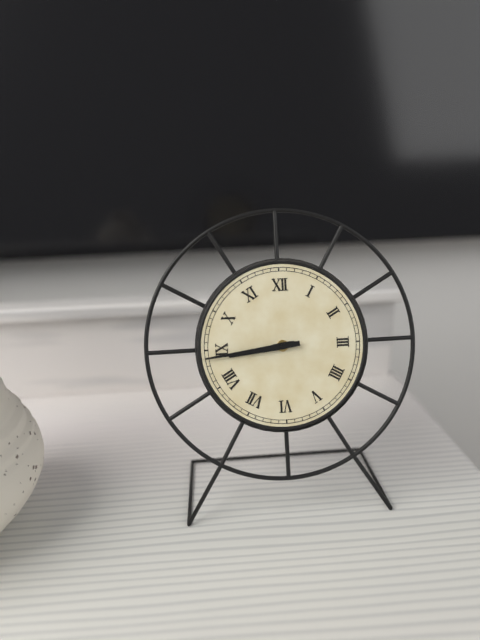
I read {"hour": 8, "minute": 44}
